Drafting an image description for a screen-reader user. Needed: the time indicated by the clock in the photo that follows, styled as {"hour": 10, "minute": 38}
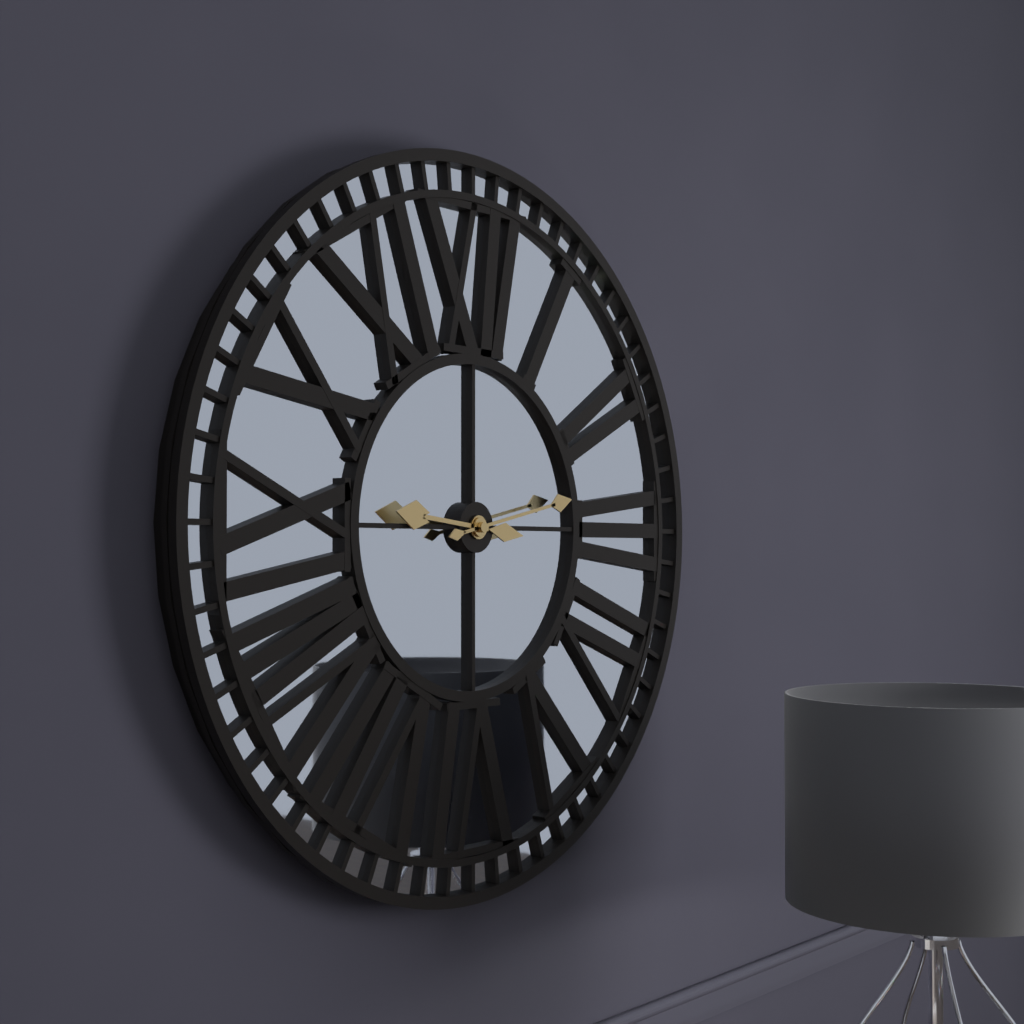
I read {"hour": 9, "minute": 13}
